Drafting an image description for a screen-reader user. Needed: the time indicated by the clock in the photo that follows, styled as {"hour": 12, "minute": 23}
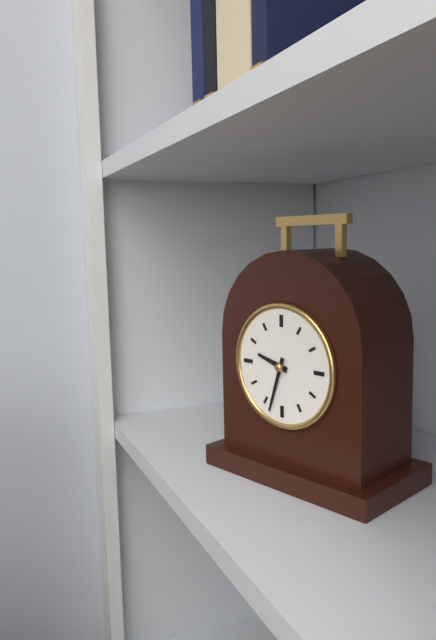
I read {"hour": 9, "minute": 33}
